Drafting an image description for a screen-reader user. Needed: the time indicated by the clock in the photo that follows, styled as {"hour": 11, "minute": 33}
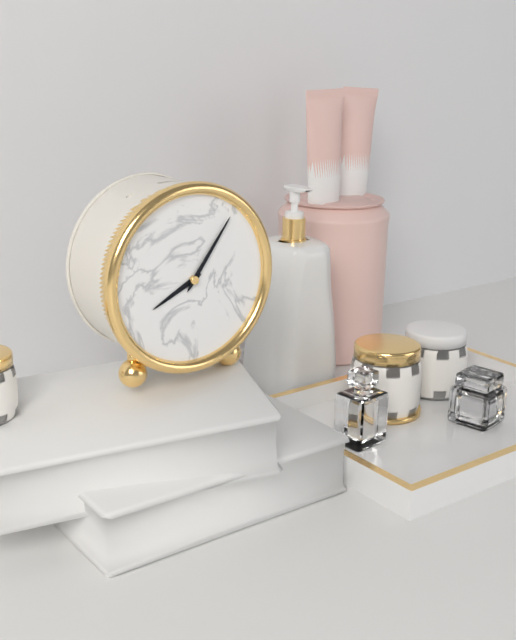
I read {"hour": 8, "minute": 6}
